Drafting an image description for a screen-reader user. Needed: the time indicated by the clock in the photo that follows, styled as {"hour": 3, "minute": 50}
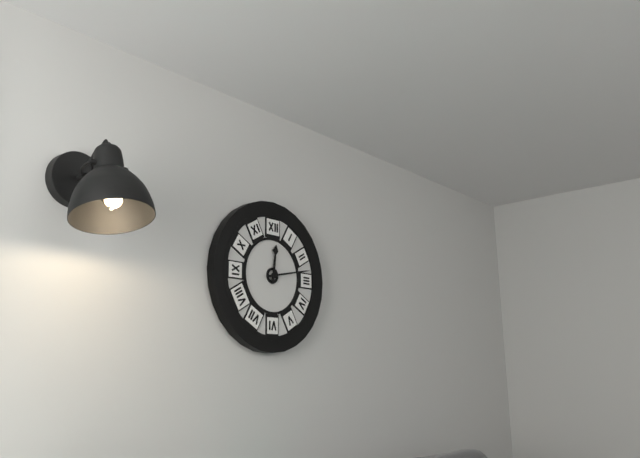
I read {"hour": 12, "minute": 13}
